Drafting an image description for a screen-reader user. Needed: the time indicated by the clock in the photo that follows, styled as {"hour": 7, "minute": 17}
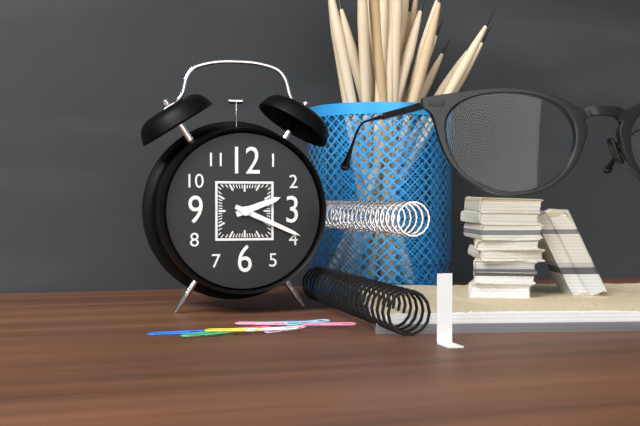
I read {"hour": 2, "minute": 19}
